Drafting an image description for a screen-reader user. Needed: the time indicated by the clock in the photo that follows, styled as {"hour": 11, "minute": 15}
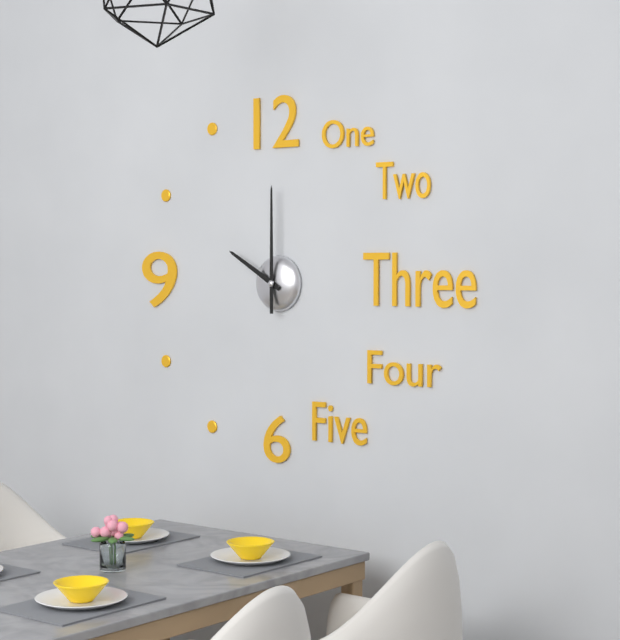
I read {"hour": 10, "minute": 0}
